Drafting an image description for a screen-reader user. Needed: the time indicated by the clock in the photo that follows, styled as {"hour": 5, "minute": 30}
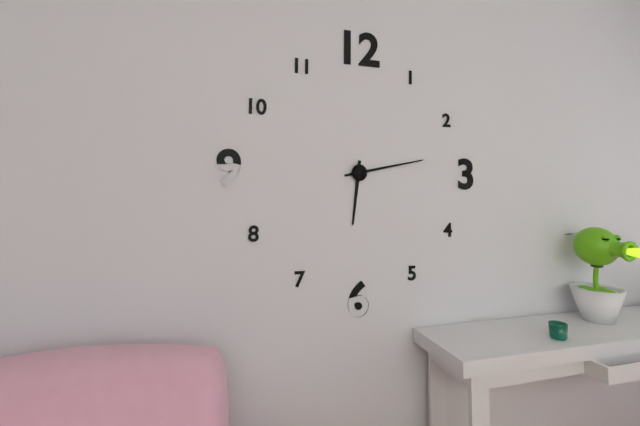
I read {"hour": 6, "minute": 13}
